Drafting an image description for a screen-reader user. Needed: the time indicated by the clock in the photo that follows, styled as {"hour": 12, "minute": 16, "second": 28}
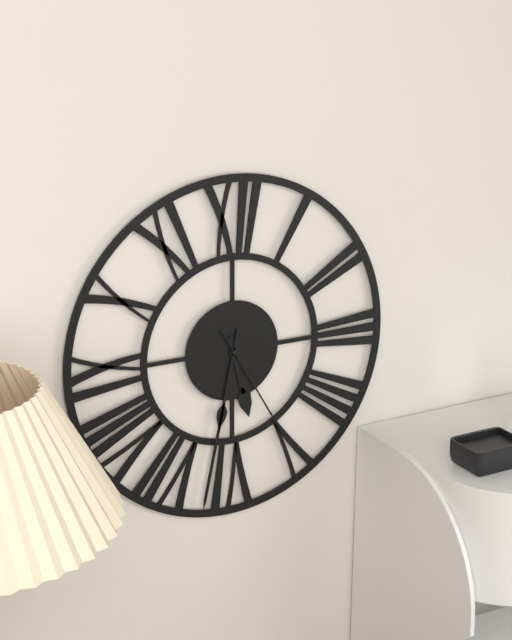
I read {"hour": 5, "minute": 32, "second": 25}
